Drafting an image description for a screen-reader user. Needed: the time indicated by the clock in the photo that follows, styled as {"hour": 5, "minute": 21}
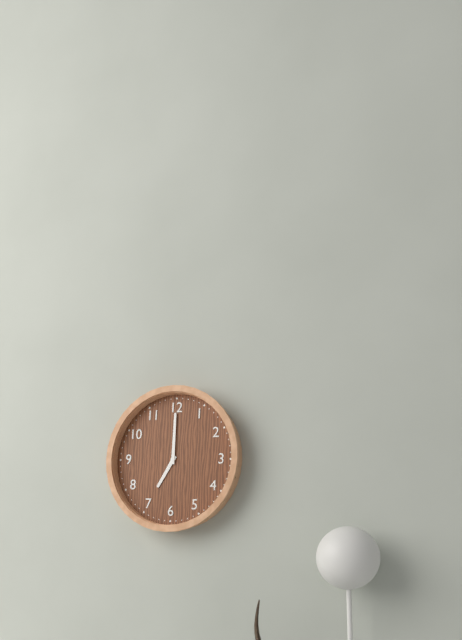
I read {"hour": 7, "minute": 0}
